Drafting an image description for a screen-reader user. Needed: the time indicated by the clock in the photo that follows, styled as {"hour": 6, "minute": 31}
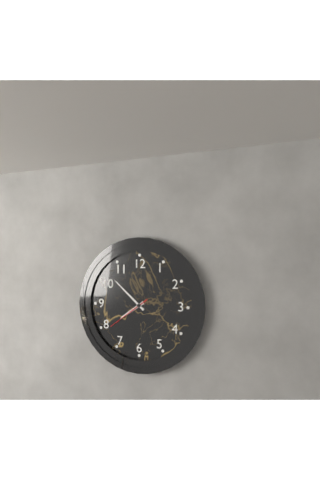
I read {"hour": 7, "minute": 52}
